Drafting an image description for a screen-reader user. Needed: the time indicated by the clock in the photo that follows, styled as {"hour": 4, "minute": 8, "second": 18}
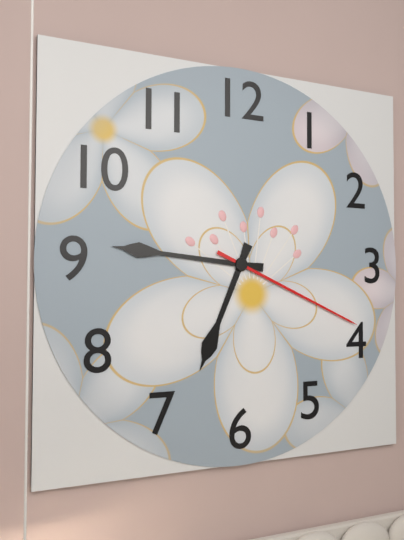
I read {"hour": 6, "minute": 46, "second": 19}
